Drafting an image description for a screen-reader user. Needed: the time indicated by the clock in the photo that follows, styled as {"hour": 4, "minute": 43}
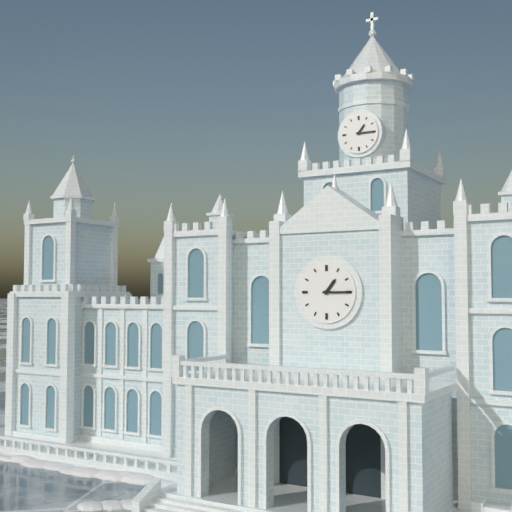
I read {"hour": 1, "minute": 15}
